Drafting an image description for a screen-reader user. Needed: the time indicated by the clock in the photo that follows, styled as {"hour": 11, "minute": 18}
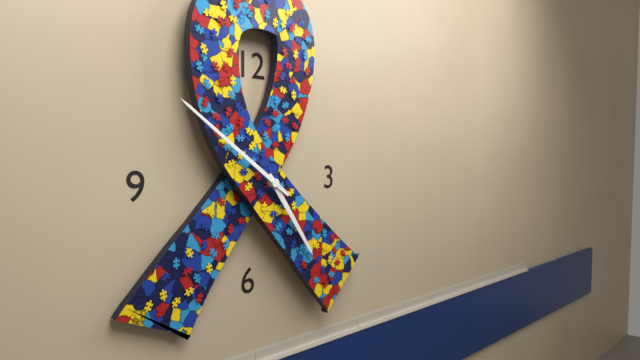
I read {"hour": 4, "minute": 51}
